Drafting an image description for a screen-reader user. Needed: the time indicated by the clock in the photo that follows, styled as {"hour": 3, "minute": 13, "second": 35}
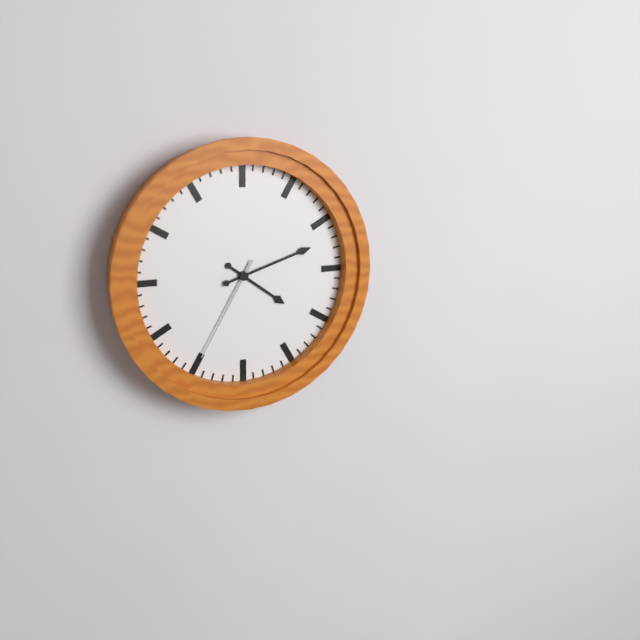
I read {"hour": 4, "minute": 12, "second": 35}
